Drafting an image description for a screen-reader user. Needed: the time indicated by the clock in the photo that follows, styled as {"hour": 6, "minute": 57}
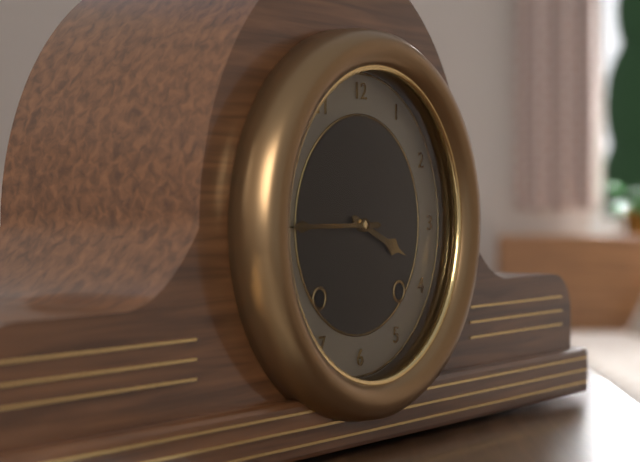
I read {"hour": 3, "minute": 45}
